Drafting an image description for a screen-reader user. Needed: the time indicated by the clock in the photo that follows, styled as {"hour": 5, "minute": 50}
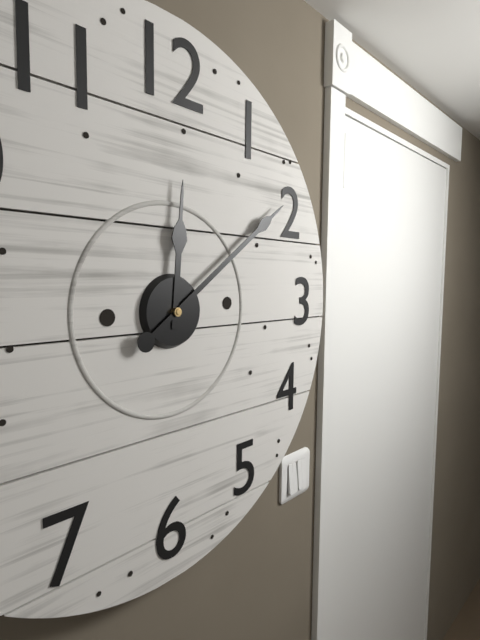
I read {"hour": 12, "minute": 9}
